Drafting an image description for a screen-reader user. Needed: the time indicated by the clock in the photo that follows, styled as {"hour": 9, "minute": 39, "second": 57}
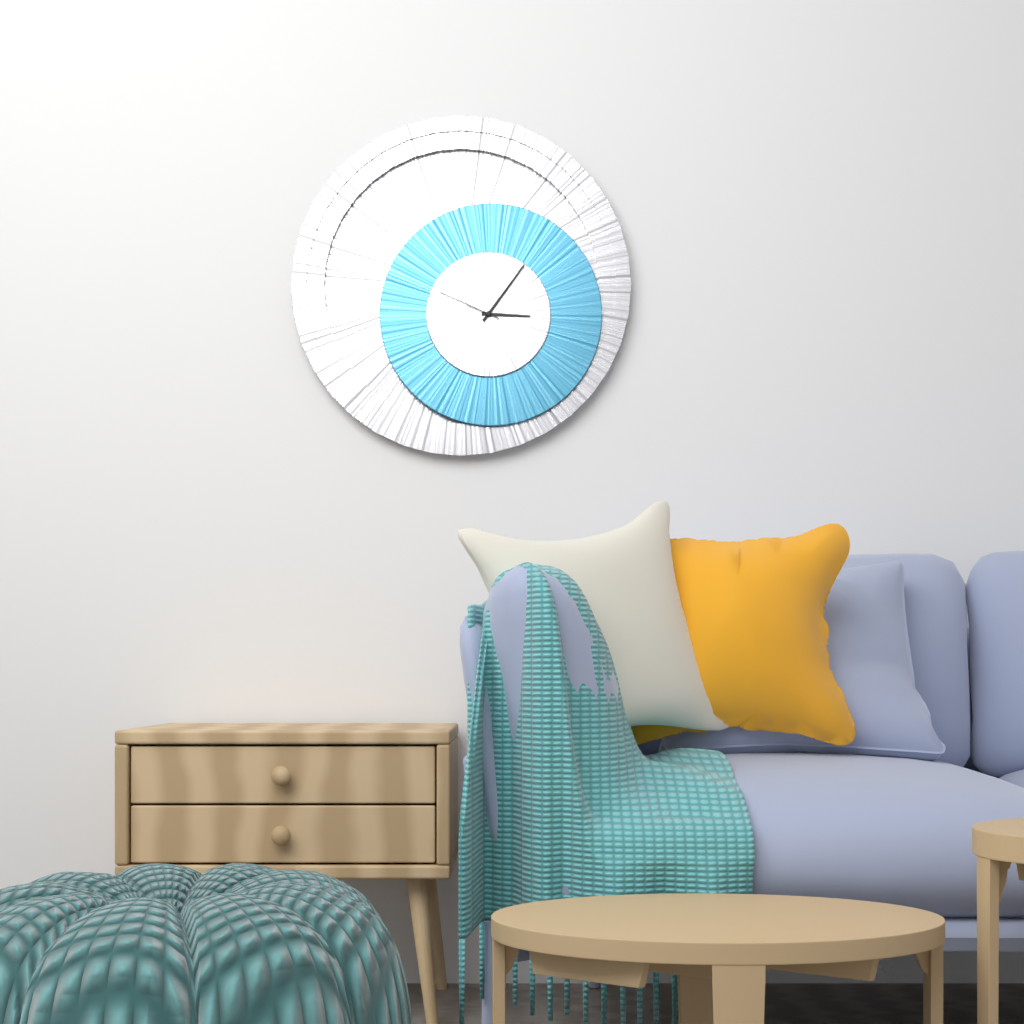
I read {"hour": 3, "minute": 6, "second": 49}
